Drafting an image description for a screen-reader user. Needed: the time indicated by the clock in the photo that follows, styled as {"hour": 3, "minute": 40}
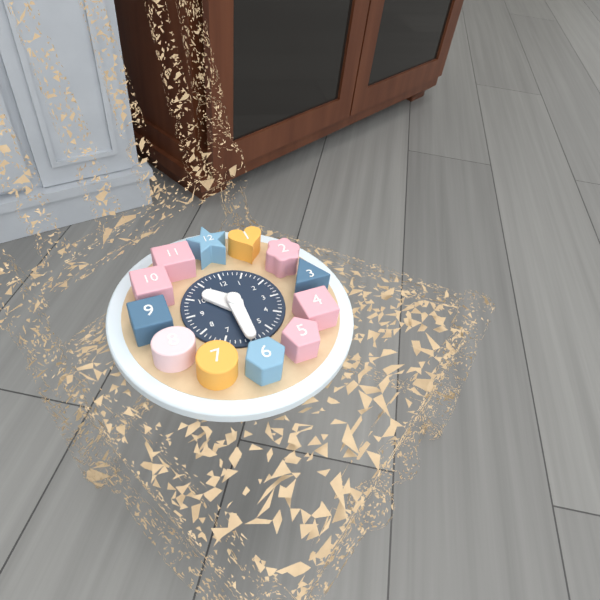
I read {"hour": 10, "minute": 30}
